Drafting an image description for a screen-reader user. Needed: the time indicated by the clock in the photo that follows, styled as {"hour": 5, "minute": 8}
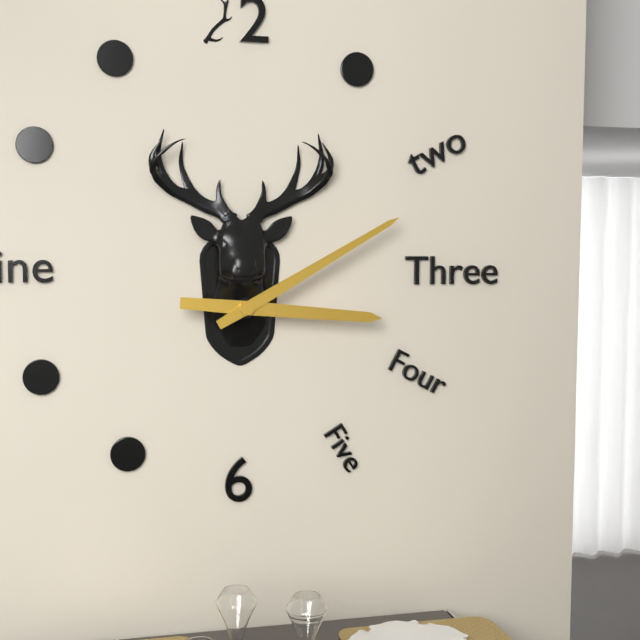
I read {"hour": 3, "minute": 10}
